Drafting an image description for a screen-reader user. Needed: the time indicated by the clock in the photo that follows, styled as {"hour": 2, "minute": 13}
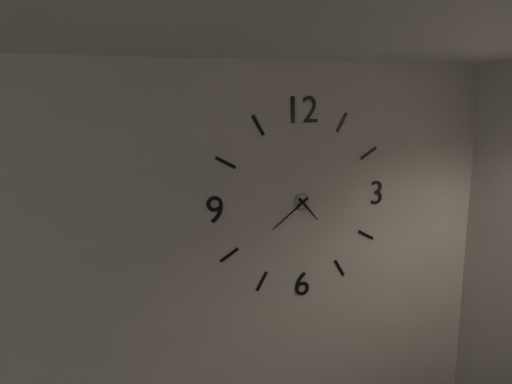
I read {"hour": 4, "minute": 39}
